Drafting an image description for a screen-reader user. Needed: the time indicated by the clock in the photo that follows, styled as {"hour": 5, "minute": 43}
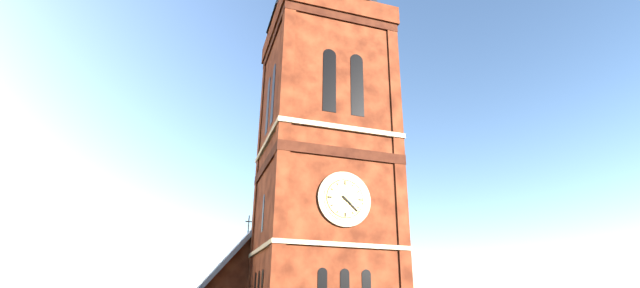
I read {"hour": 4, "minute": 22}
